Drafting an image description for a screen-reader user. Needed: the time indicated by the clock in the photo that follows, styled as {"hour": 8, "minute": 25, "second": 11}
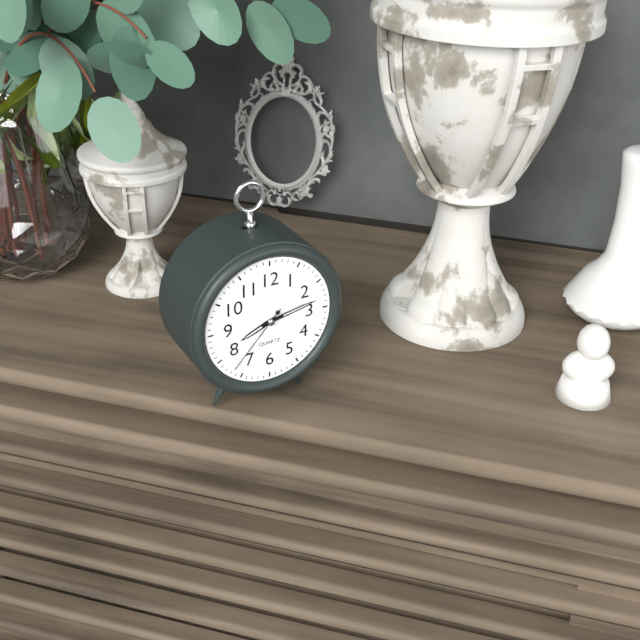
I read {"hour": 8, "minute": 13, "second": 37}
